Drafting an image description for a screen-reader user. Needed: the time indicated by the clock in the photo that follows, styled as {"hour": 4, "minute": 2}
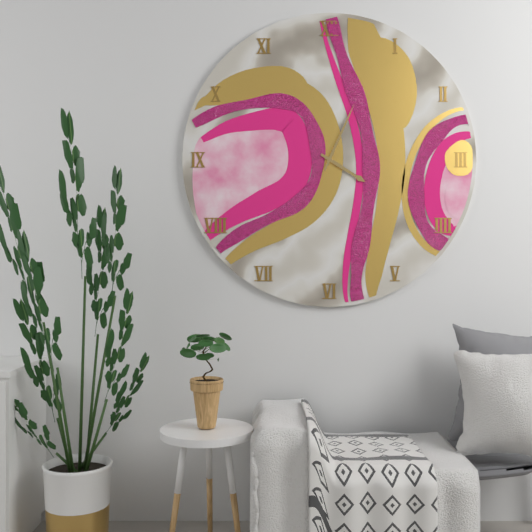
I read {"hour": 4, "minute": 4}
